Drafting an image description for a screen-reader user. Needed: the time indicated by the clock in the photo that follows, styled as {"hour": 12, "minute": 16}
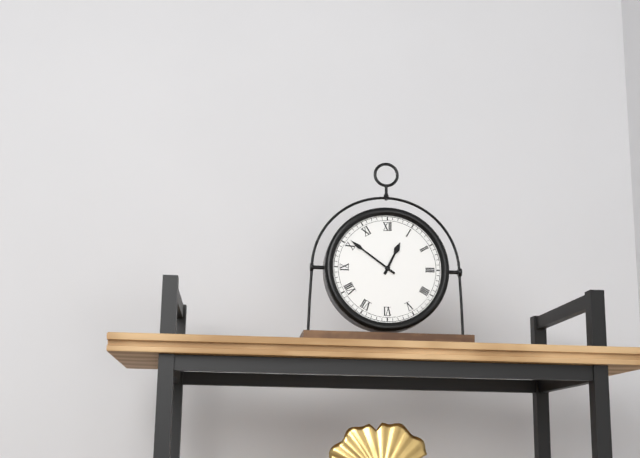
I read {"hour": 12, "minute": 51}
